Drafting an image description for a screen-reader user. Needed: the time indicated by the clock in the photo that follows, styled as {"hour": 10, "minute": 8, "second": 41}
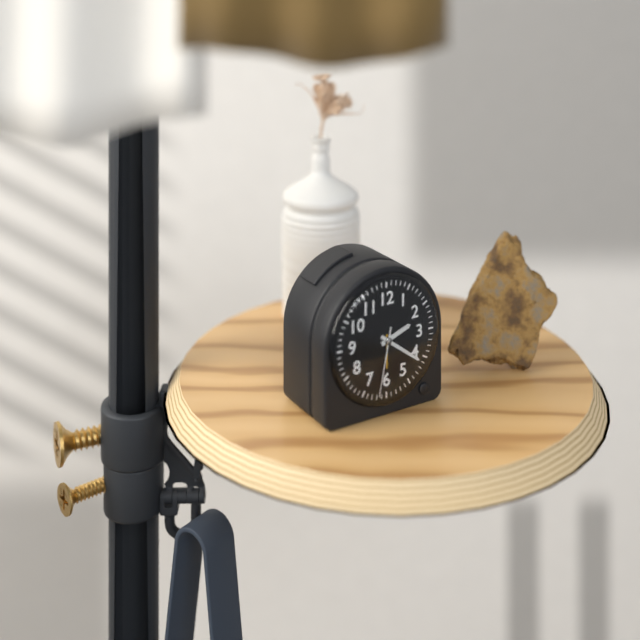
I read {"hour": 2, "minute": 21, "second": 32}
